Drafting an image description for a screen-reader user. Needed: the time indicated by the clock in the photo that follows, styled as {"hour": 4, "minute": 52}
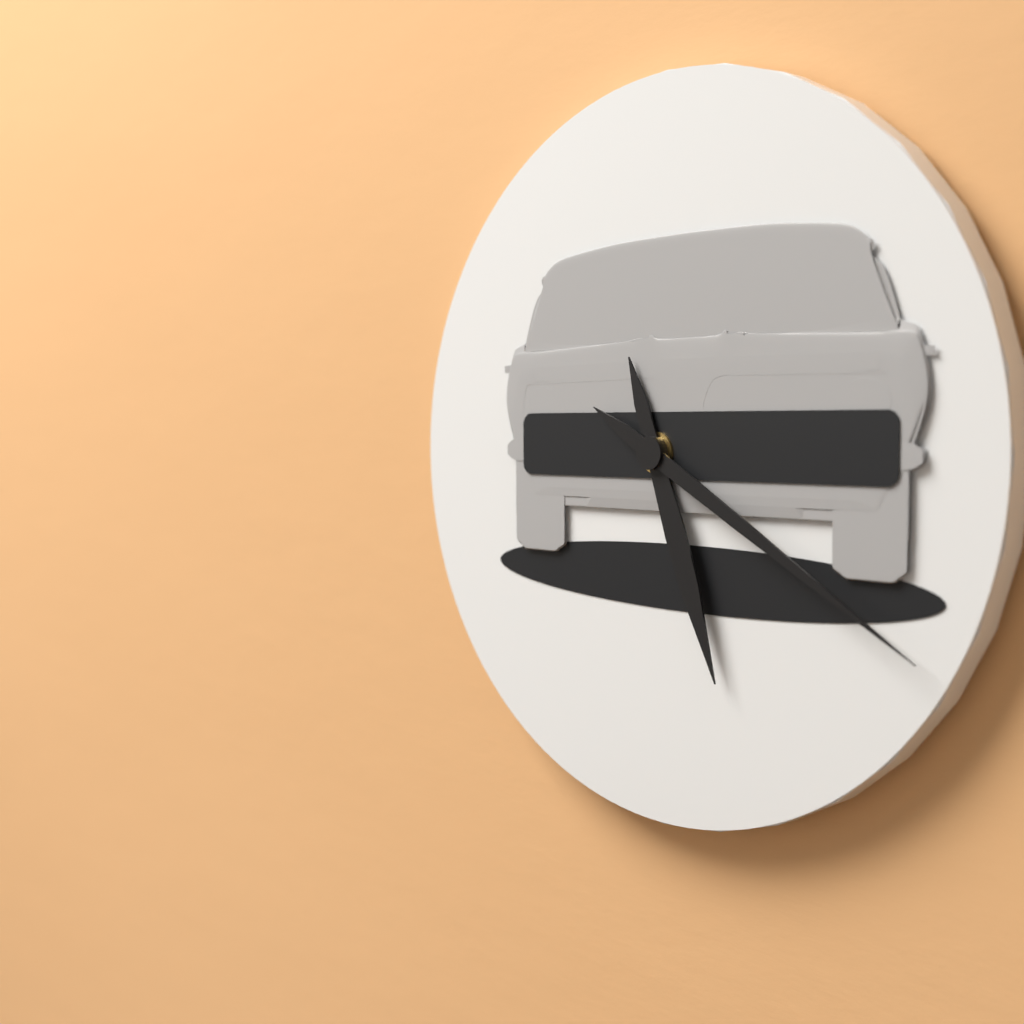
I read {"hour": 5, "minute": 20}
